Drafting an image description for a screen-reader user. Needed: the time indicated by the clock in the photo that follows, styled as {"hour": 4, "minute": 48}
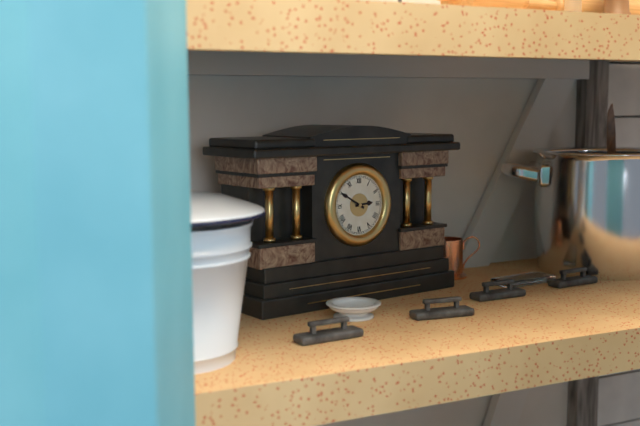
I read {"hour": 2, "minute": 50}
